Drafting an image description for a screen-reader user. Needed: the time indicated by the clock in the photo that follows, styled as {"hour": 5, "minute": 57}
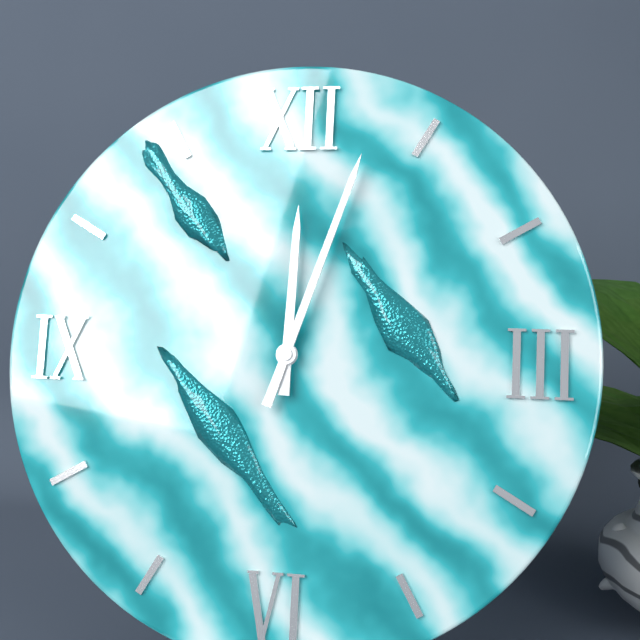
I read {"hour": 12, "minute": 3}
